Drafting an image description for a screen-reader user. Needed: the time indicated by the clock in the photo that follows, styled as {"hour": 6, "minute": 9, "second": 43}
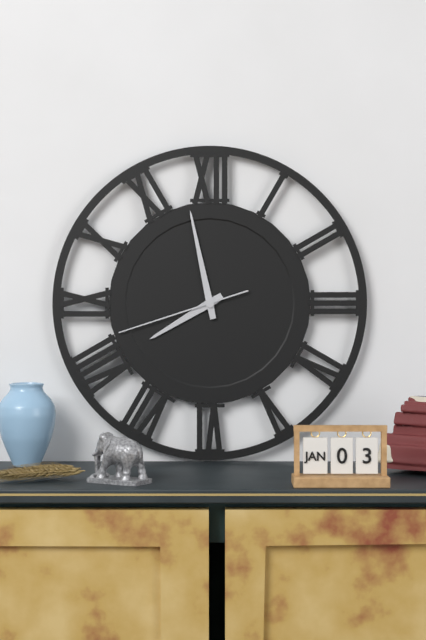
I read {"hour": 7, "minute": 58, "second": 42}
